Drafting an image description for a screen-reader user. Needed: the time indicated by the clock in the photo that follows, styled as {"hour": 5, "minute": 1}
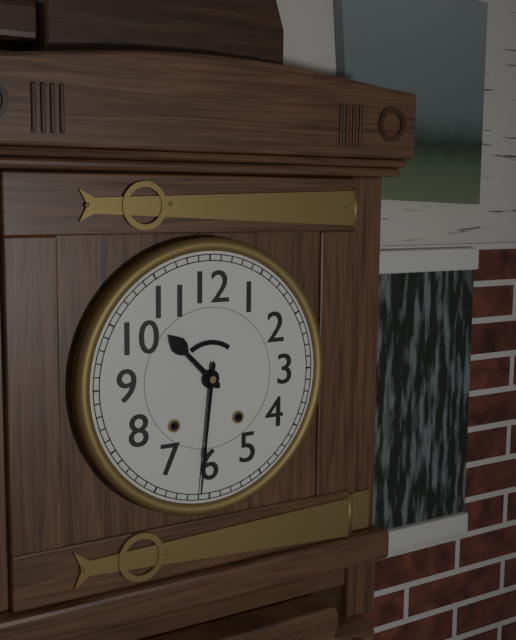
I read {"hour": 10, "minute": 31}
